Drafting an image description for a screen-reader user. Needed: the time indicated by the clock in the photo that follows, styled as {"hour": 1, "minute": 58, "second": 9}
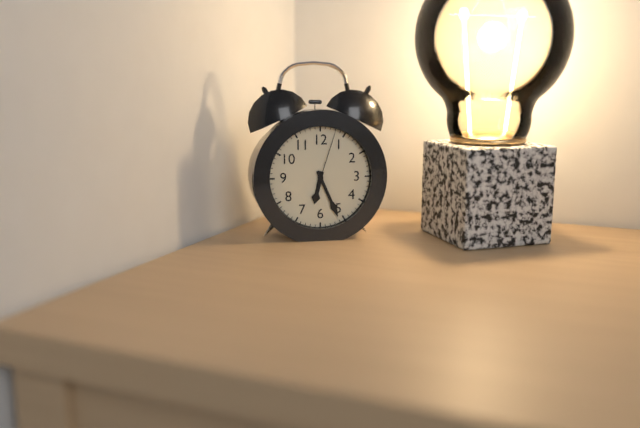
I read {"hour": 6, "minute": 26, "second": 3}
